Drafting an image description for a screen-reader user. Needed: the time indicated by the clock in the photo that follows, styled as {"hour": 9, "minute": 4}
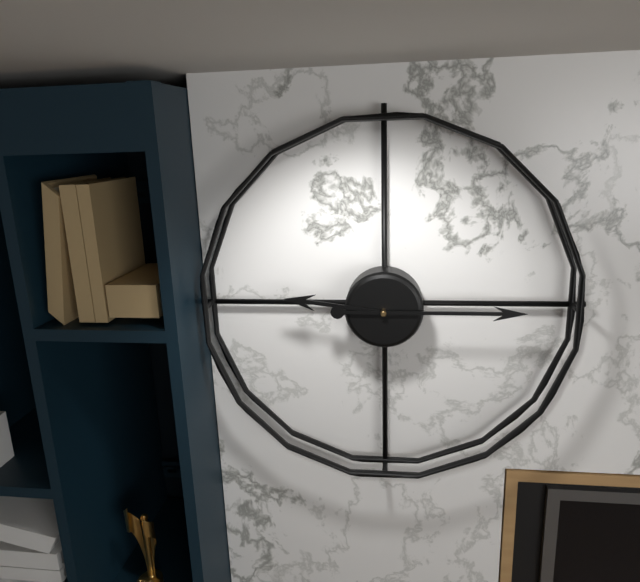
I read {"hour": 9, "minute": 15}
